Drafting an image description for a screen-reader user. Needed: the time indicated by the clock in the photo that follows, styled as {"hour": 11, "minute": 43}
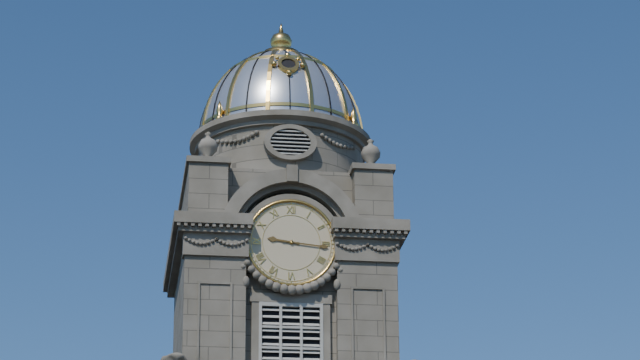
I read {"hour": 9, "minute": 16}
